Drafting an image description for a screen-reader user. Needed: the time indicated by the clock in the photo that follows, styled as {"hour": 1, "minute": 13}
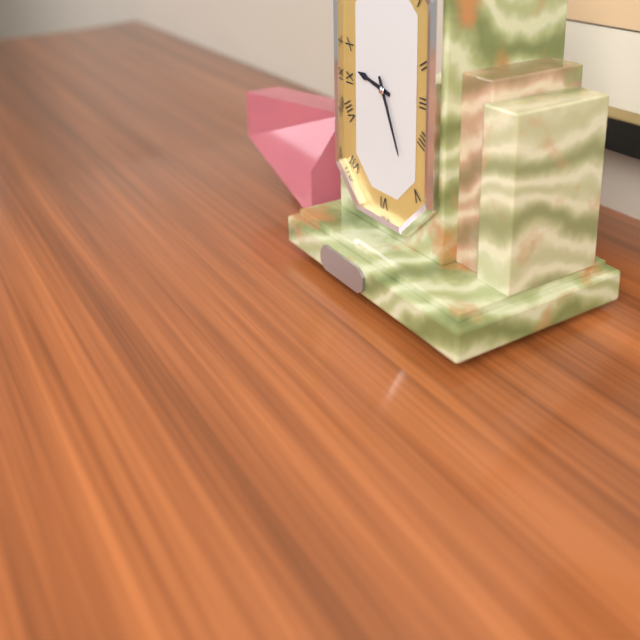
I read {"hour": 9, "minute": 26}
